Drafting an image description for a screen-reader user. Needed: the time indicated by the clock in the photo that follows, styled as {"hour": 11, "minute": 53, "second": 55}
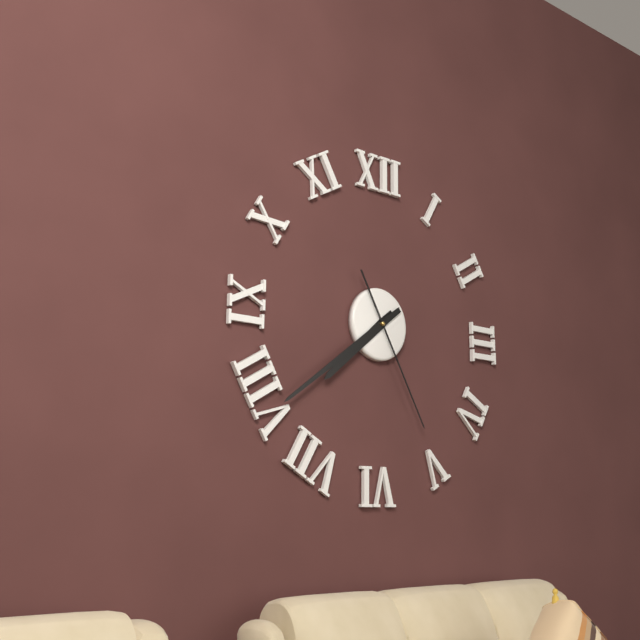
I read {"hour": 7, "minute": 39, "second": 25}
